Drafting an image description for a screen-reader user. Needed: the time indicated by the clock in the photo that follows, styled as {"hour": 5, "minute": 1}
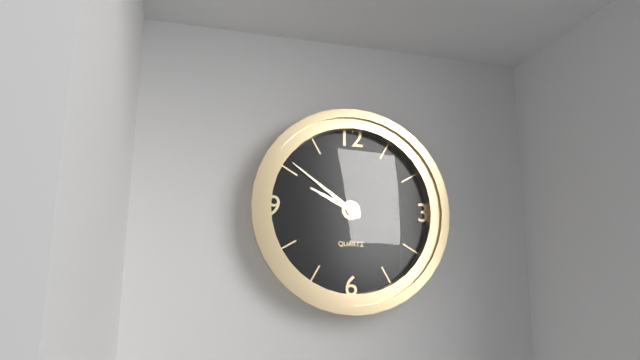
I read {"hour": 9, "minute": 51}
